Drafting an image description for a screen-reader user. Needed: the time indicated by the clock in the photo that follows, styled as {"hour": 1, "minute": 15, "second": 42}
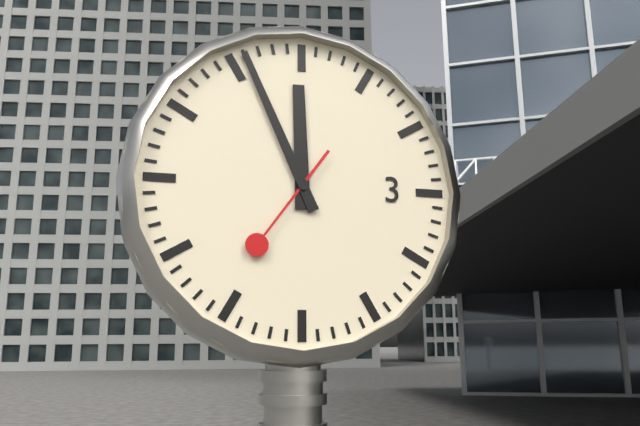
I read {"hour": 11, "minute": 56, "second": 36}
